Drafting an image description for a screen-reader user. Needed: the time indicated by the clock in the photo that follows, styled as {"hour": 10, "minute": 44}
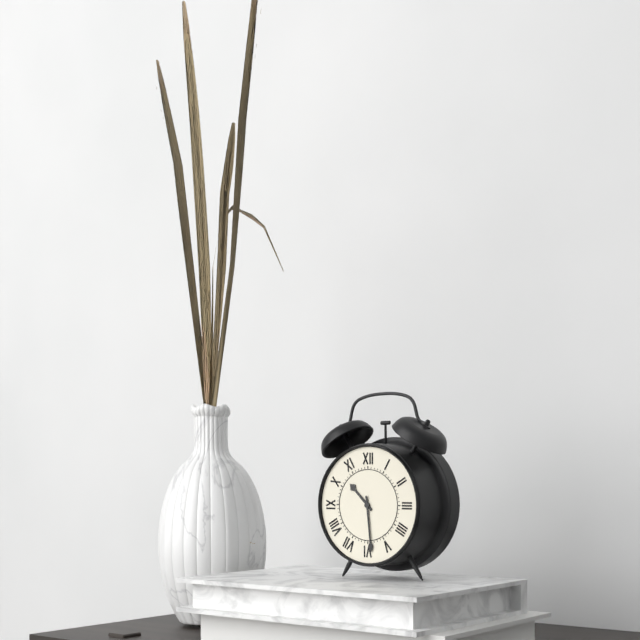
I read {"hour": 10, "minute": 29}
